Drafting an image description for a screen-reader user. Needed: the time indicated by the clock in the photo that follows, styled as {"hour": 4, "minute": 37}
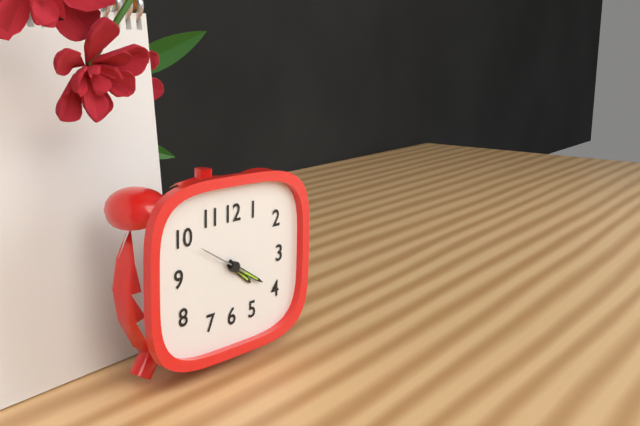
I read {"hour": 4, "minute": 20}
